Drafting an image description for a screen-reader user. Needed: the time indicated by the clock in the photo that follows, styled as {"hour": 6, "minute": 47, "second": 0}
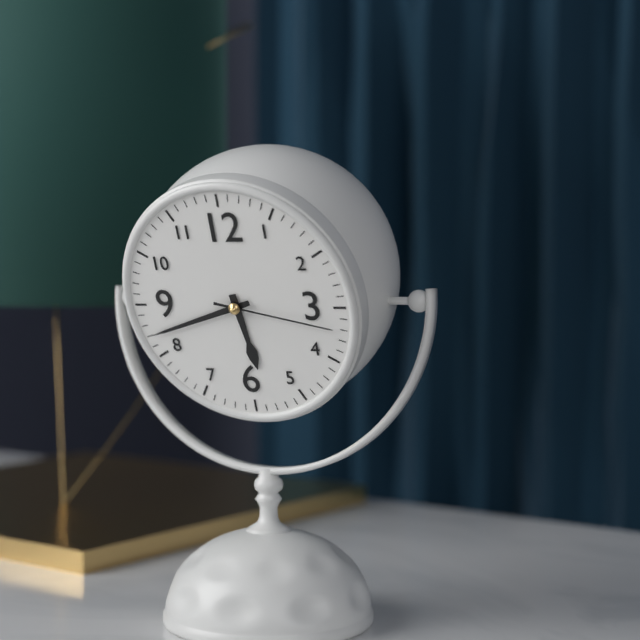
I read {"hour": 5, "minute": 42, "second": 17}
